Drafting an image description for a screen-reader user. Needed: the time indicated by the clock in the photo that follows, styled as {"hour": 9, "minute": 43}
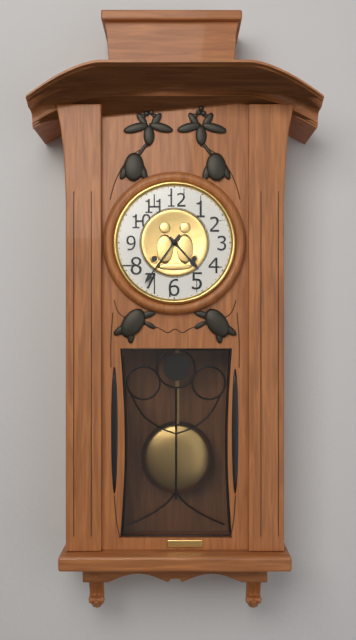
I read {"hour": 4, "minute": 36}
